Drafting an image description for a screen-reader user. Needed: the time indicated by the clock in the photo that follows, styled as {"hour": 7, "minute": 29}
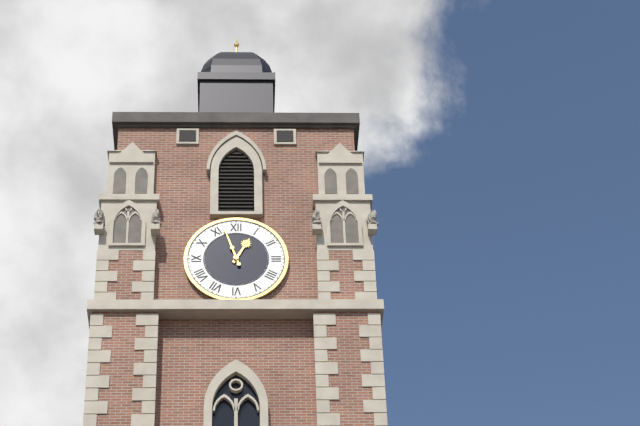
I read {"hour": 12, "minute": 57}
